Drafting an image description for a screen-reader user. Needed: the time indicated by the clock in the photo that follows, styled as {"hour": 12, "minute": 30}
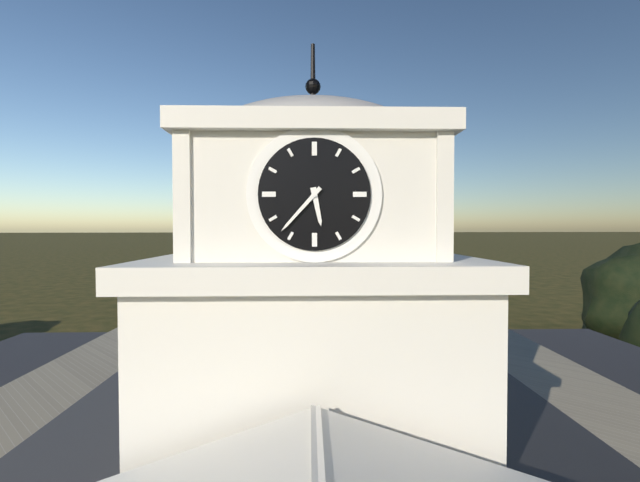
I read {"hour": 5, "minute": 37}
